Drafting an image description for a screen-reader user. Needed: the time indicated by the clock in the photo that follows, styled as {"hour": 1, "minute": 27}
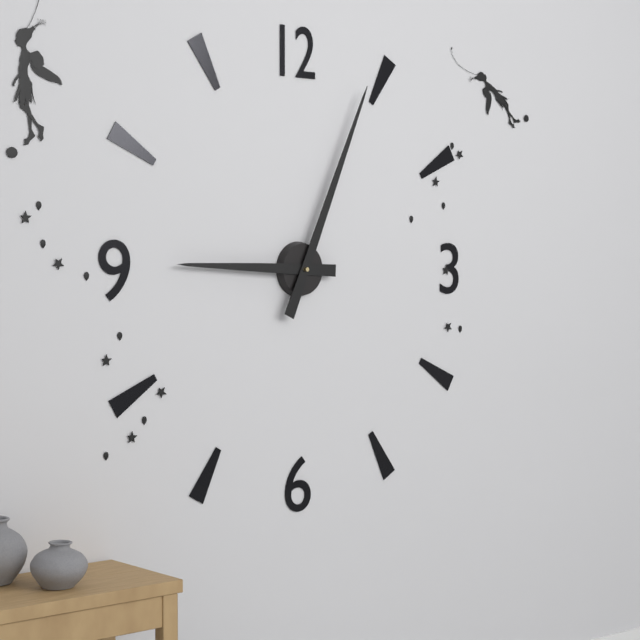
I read {"hour": 9, "minute": 4}
